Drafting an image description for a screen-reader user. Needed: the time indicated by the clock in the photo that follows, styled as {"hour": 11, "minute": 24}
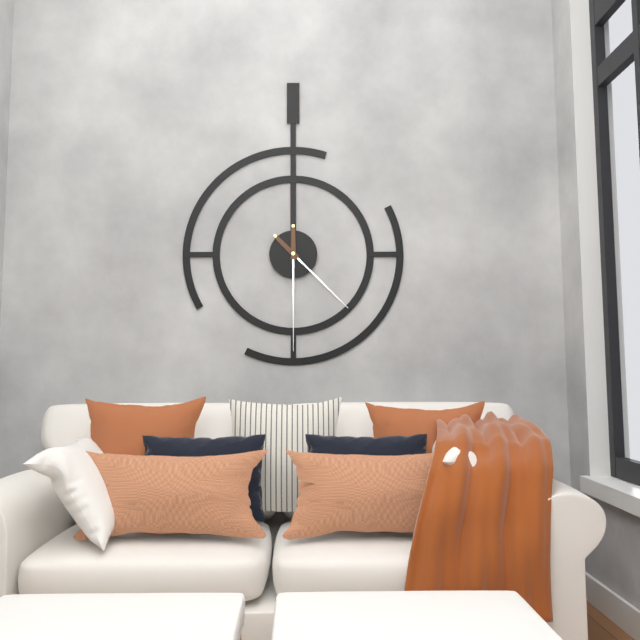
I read {"hour": 4, "minute": 30}
